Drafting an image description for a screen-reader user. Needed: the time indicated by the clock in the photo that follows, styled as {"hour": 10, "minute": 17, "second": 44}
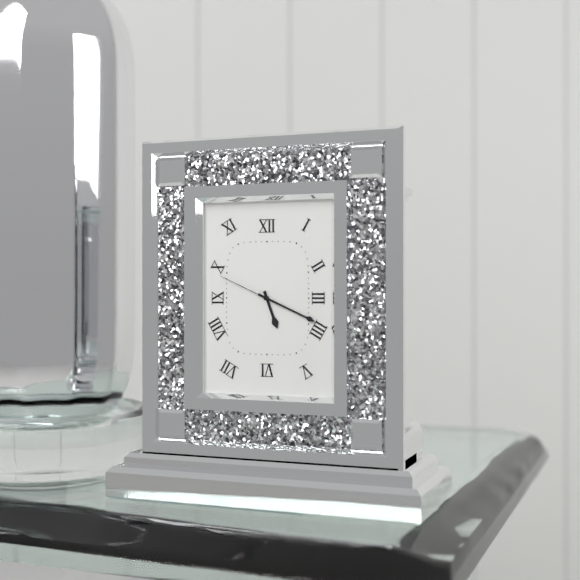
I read {"hour": 5, "minute": 19, "second": 49}
